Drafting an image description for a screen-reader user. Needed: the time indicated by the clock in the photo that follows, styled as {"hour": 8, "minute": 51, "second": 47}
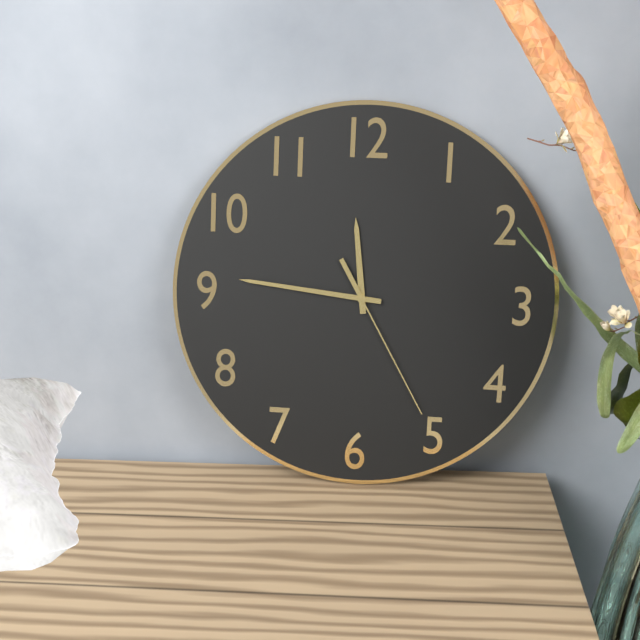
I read {"hour": 11, "minute": 46, "second": 25}
